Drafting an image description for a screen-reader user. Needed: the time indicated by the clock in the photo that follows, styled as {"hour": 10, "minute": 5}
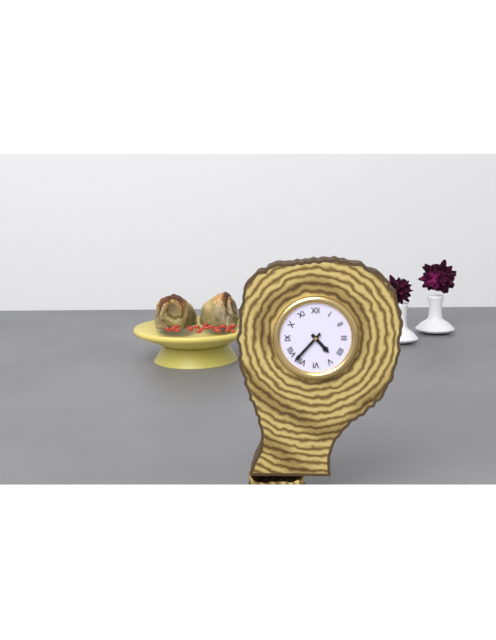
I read {"hour": 4, "minute": 37}
